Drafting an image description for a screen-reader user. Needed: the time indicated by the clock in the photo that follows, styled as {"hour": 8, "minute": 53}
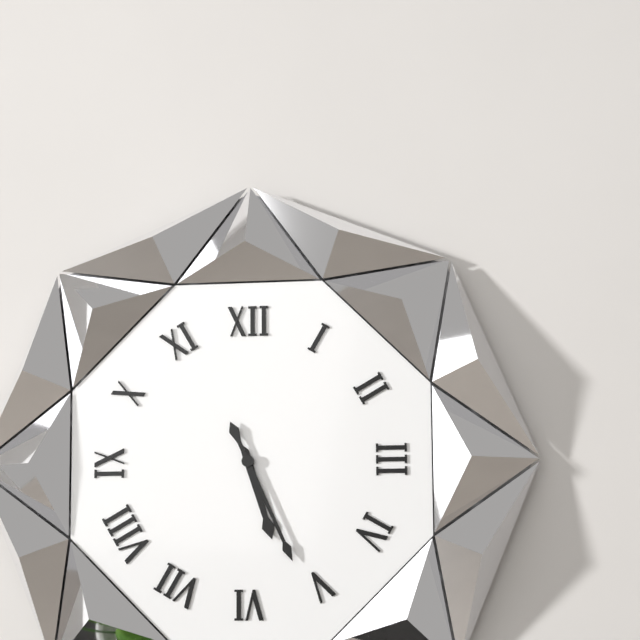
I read {"hour": 5, "minute": 26}
